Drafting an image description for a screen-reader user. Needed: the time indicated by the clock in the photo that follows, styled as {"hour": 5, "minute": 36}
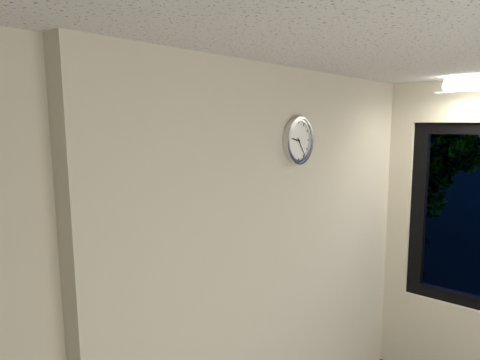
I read {"hour": 9, "minute": 24}
